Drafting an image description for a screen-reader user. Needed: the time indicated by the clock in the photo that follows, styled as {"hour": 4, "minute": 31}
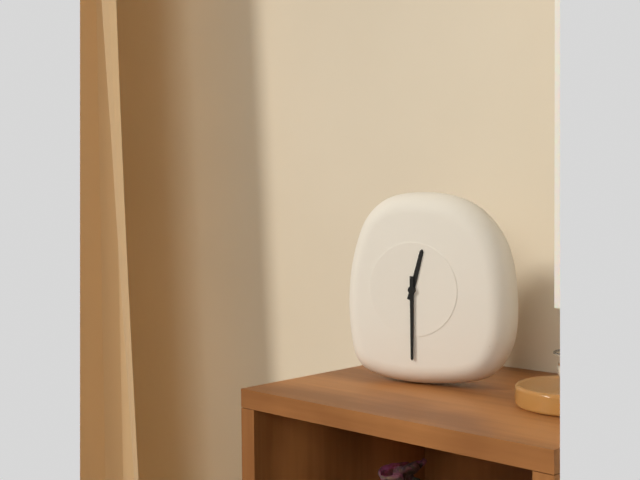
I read {"hour": 12, "minute": 30}
